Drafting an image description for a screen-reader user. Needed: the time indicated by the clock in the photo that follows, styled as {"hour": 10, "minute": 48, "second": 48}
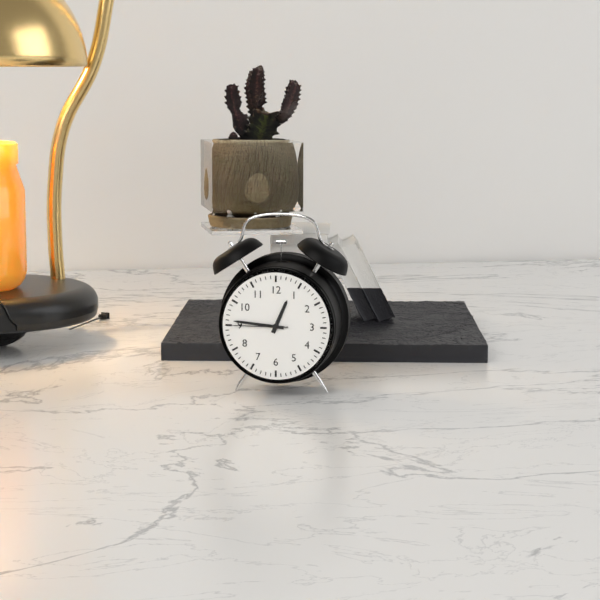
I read {"hour": 12, "minute": 46, "second": 45}
